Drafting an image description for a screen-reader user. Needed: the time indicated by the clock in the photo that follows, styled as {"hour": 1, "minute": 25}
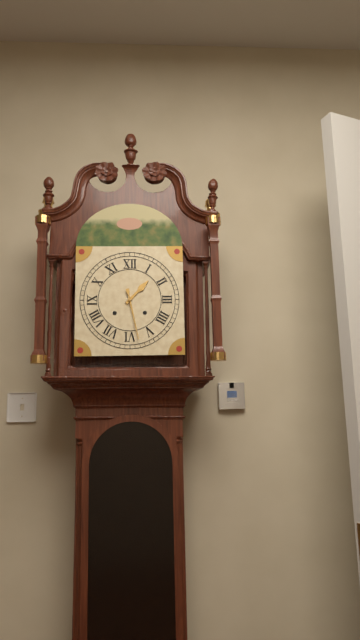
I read {"hour": 1, "minute": 28}
